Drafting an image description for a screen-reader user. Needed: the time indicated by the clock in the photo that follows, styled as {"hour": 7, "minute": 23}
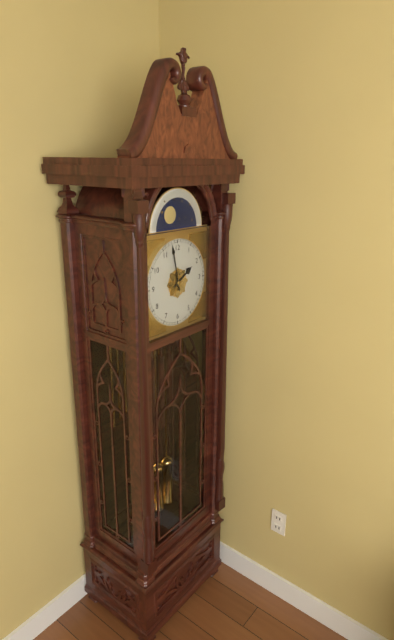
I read {"hour": 1, "minute": 58}
